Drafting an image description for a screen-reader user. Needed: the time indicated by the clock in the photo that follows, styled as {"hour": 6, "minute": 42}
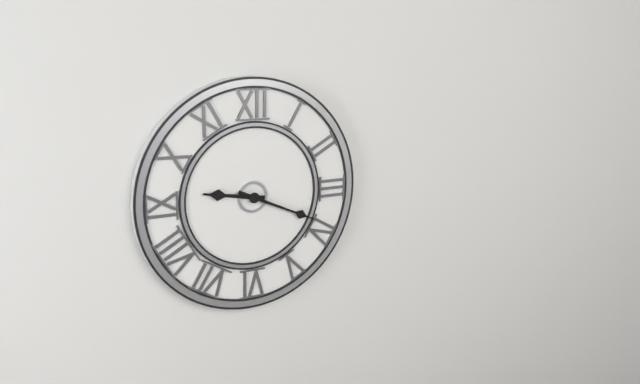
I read {"hour": 9, "minute": 19}
